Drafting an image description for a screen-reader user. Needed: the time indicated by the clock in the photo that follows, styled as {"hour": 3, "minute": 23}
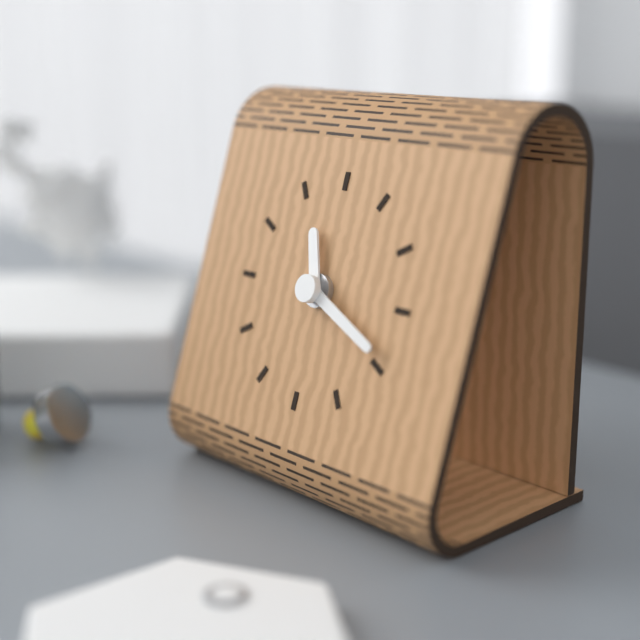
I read {"hour": 11, "minute": 19}
